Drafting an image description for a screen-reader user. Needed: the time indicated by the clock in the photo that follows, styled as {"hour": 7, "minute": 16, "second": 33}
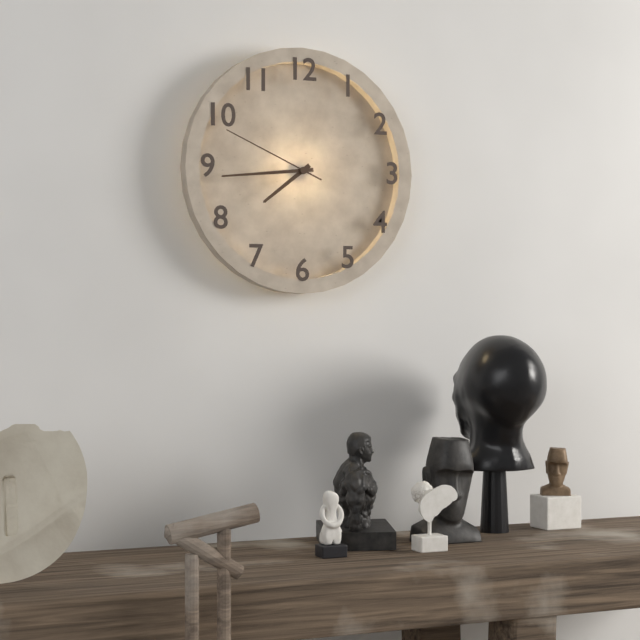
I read {"hour": 7, "minute": 44, "second": 49}
